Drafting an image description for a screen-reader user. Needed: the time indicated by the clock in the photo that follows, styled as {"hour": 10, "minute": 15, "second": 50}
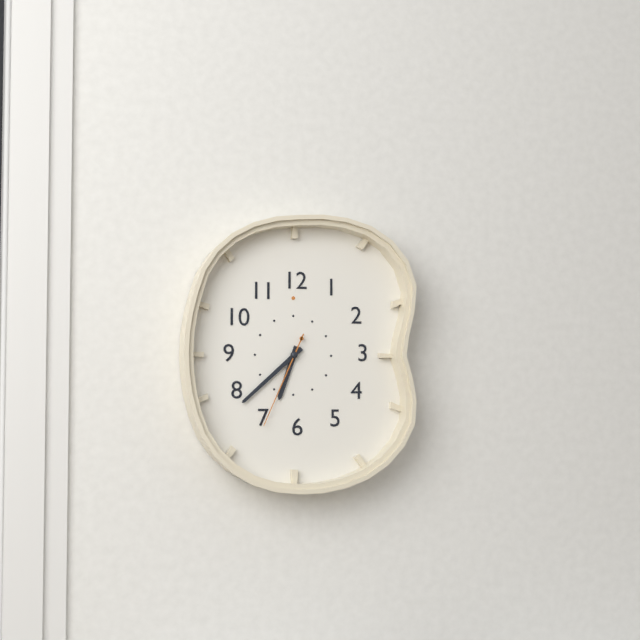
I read {"hour": 6, "minute": 38, "second": 34}
